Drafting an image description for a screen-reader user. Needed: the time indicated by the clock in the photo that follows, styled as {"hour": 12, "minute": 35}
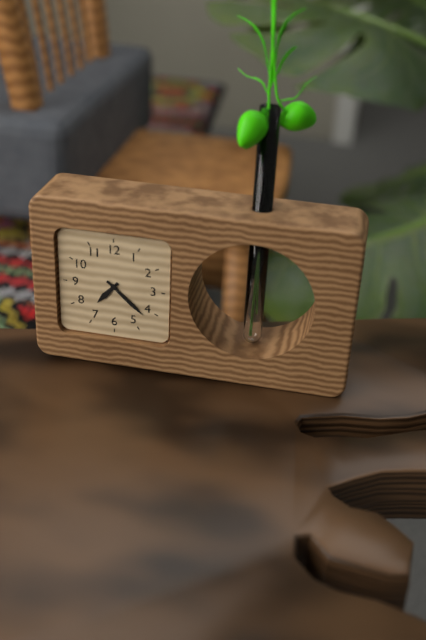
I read {"hour": 7, "minute": 22}
